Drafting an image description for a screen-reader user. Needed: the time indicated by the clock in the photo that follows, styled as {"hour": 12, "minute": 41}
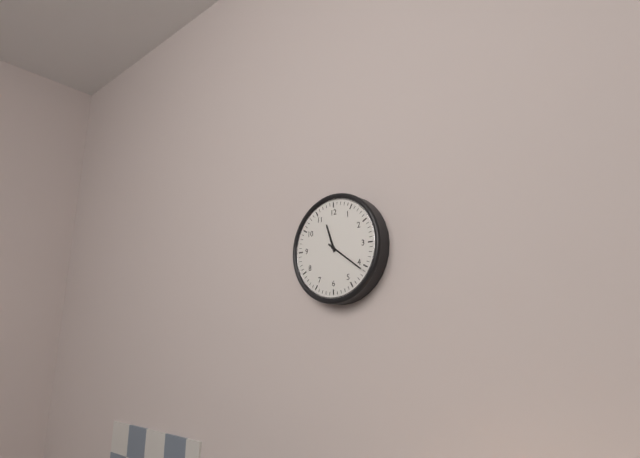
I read {"hour": 11, "minute": 21}
